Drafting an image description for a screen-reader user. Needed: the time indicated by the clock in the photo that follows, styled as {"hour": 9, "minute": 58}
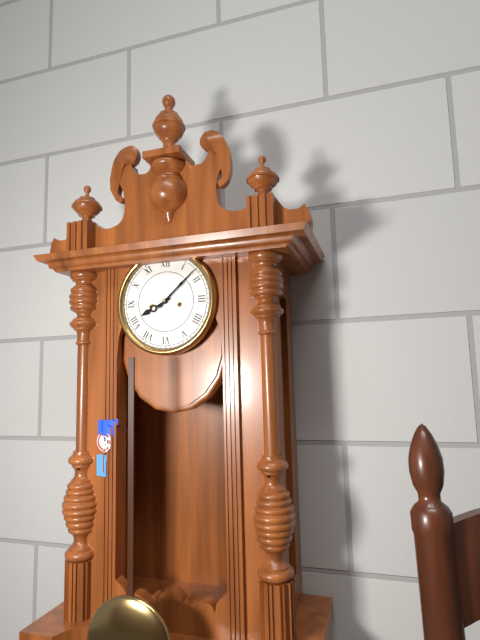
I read {"hour": 8, "minute": 8}
